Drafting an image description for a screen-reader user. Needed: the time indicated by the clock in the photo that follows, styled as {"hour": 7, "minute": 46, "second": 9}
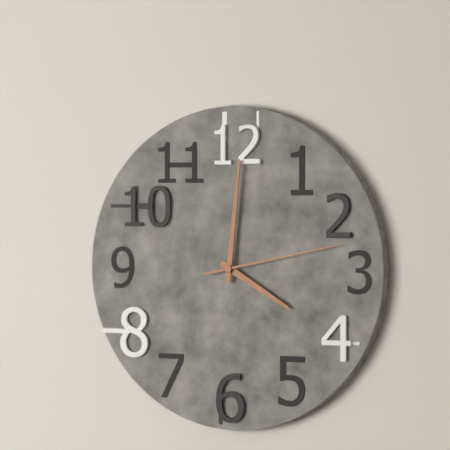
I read {"hour": 4, "minute": 1, "second": 13}
